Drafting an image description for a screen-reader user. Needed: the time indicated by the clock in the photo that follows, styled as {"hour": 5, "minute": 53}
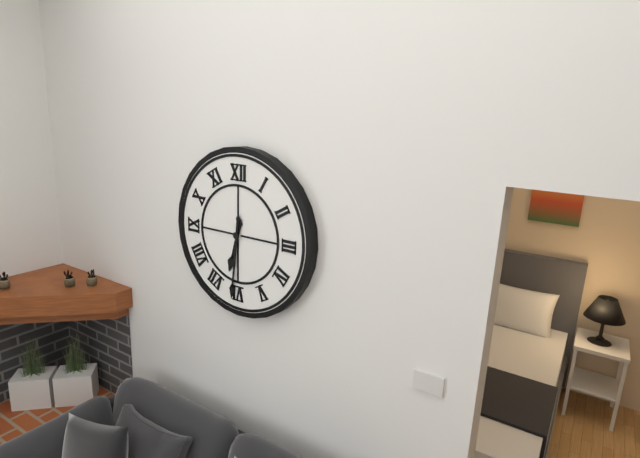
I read {"hour": 6, "minute": 31}
